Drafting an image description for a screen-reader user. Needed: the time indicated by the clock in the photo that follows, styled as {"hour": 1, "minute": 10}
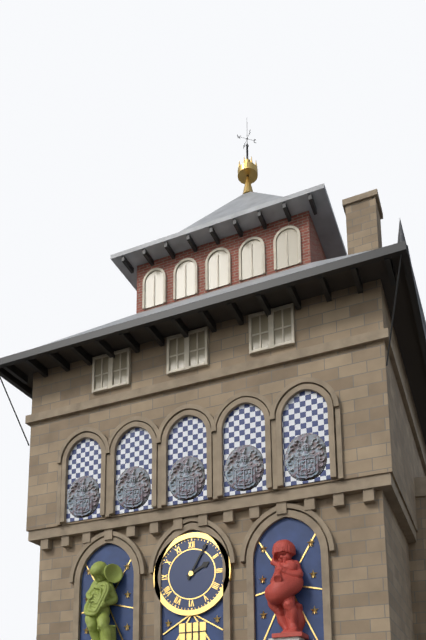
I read {"hour": 2, "minute": 5}
